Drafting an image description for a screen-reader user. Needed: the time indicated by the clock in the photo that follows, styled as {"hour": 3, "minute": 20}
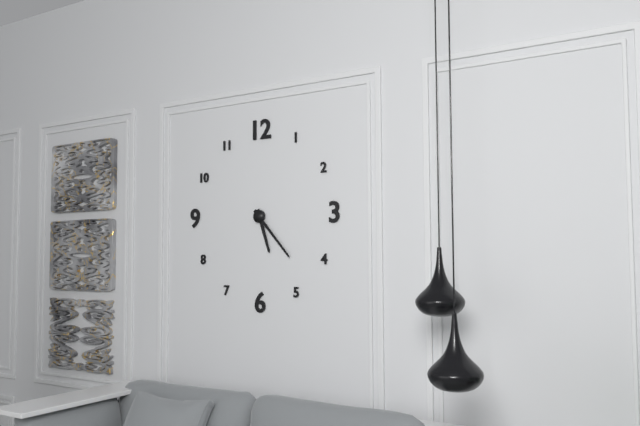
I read {"hour": 5, "minute": 23}
